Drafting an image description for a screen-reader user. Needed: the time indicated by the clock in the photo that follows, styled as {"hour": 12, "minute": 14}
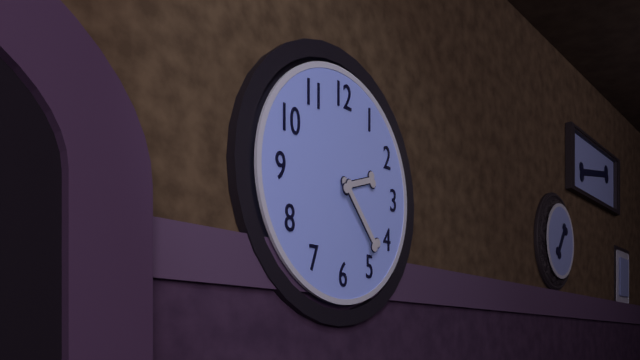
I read {"hour": 2, "minute": 23}
